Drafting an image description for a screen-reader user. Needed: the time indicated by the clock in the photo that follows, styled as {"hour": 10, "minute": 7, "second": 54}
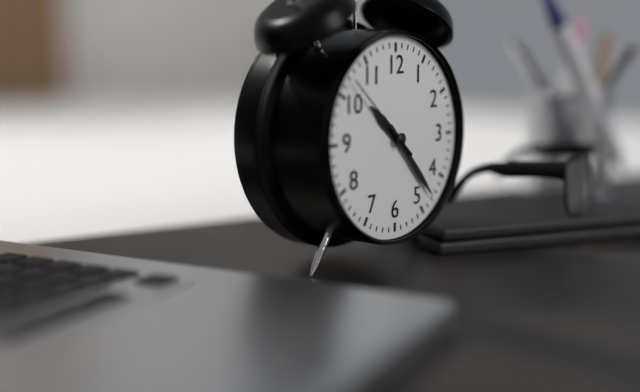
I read {"hour": 10, "minute": 23, "second": 52}
